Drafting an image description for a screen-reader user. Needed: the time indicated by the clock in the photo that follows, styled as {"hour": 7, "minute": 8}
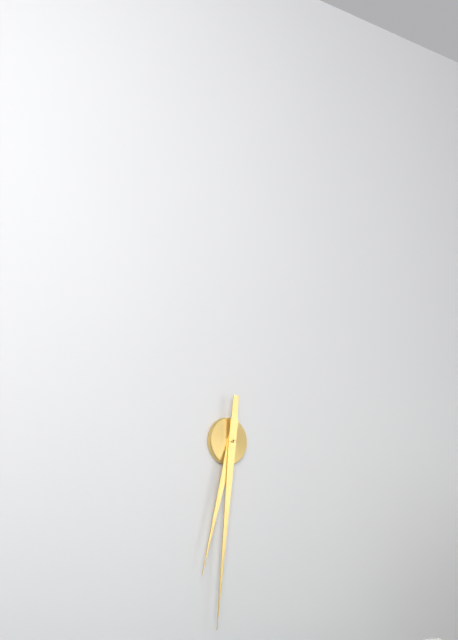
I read {"hour": 6, "minute": 31}
